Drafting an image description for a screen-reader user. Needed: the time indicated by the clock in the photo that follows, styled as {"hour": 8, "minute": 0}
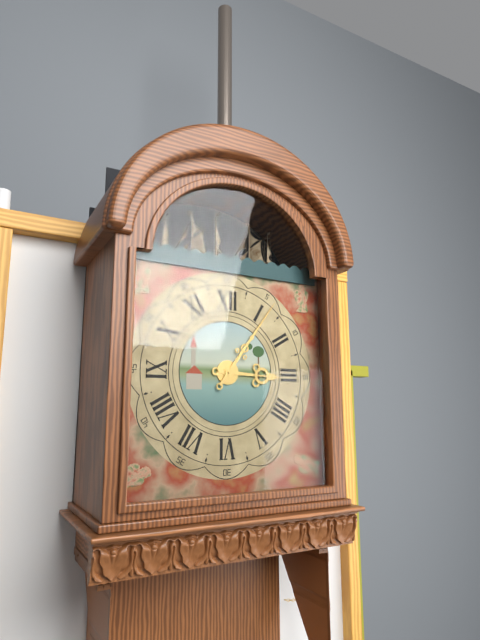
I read {"hour": 3, "minute": 6}
